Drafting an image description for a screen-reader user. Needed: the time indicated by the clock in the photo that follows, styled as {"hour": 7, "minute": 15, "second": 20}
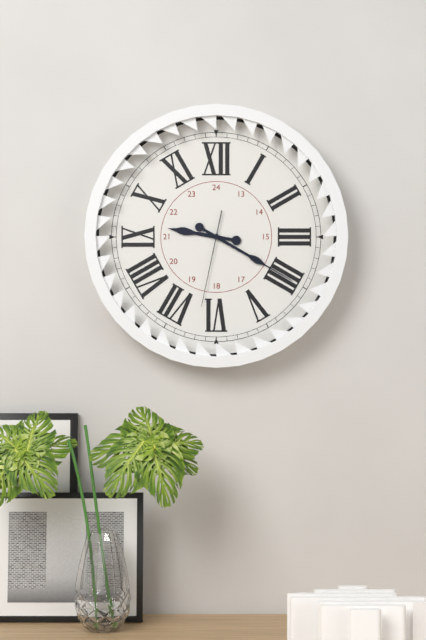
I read {"hour": 9, "minute": 20, "second": 32}
